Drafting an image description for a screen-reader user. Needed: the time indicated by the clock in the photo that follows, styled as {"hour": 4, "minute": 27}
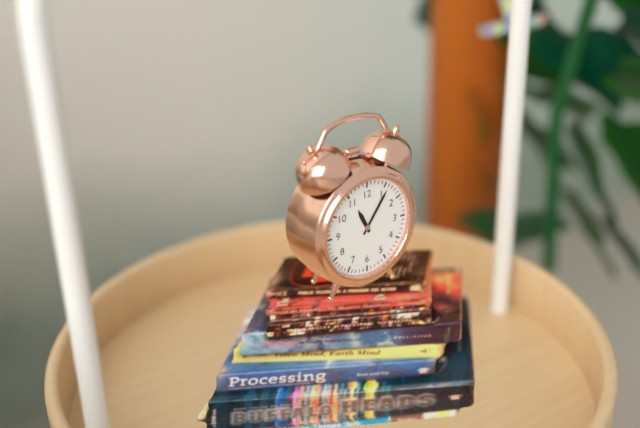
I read {"hour": 11, "minute": 6}
